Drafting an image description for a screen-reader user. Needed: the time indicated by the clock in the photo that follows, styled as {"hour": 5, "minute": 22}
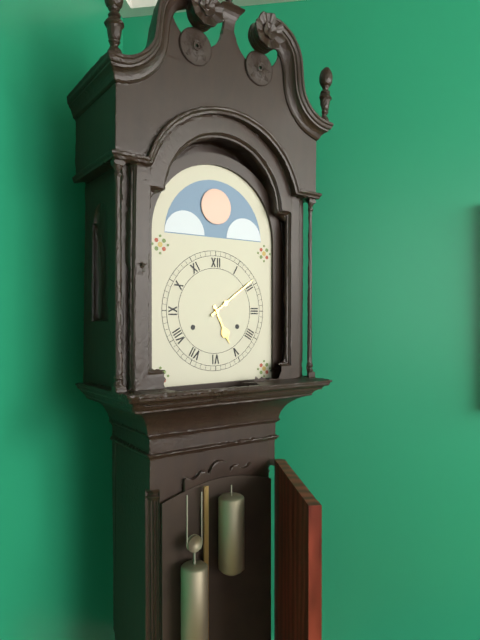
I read {"hour": 5, "minute": 9}
